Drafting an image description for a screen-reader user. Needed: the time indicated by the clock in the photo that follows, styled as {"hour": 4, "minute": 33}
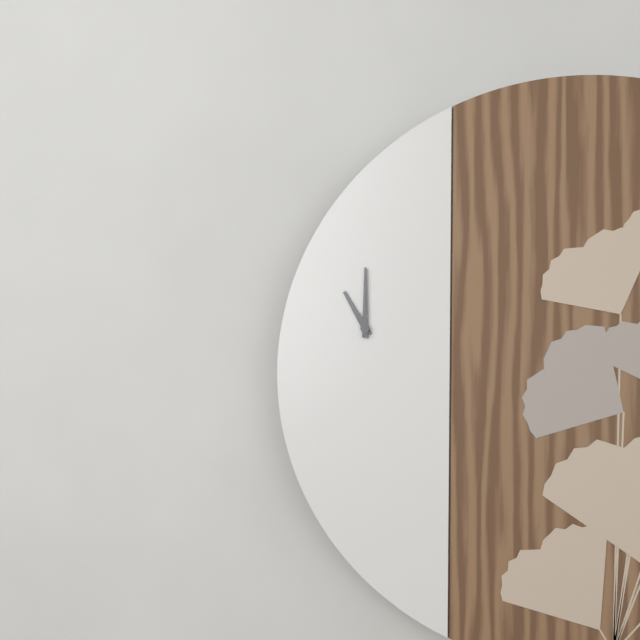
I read {"hour": 11, "minute": 0}
